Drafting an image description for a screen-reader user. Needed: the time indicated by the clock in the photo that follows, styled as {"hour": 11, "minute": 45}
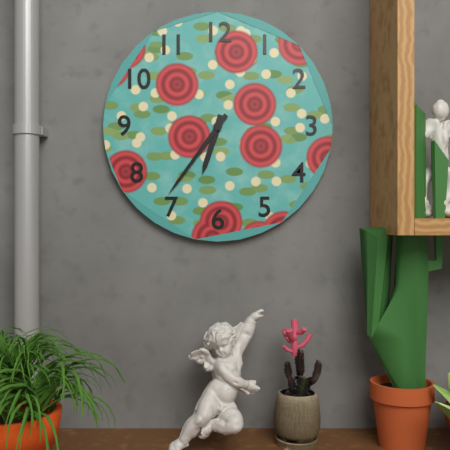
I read {"hour": 6, "minute": 36}
